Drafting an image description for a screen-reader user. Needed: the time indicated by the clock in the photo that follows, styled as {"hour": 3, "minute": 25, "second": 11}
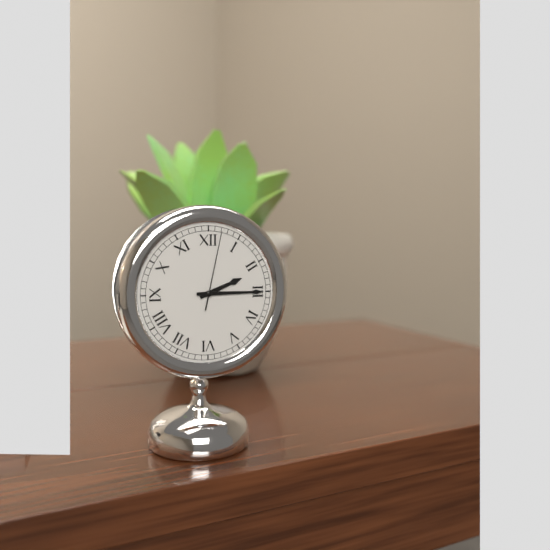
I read {"hour": 2, "minute": 15, "second": 2}
